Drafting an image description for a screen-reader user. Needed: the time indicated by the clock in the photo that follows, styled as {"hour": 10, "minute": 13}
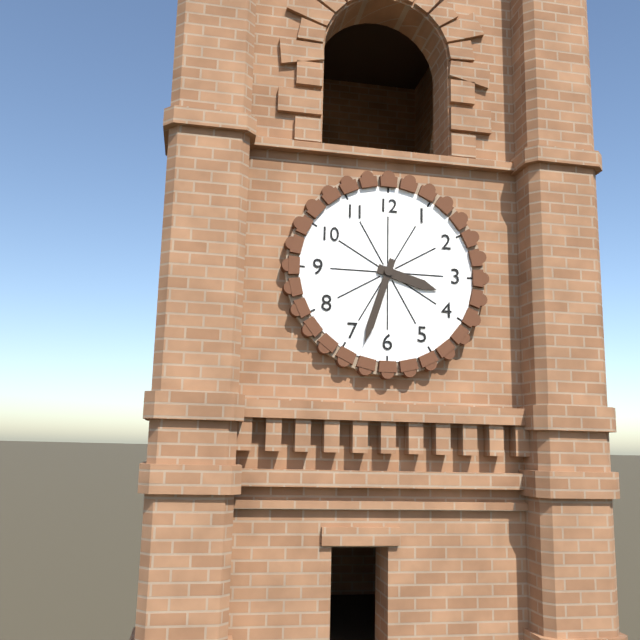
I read {"hour": 3, "minute": 33}
